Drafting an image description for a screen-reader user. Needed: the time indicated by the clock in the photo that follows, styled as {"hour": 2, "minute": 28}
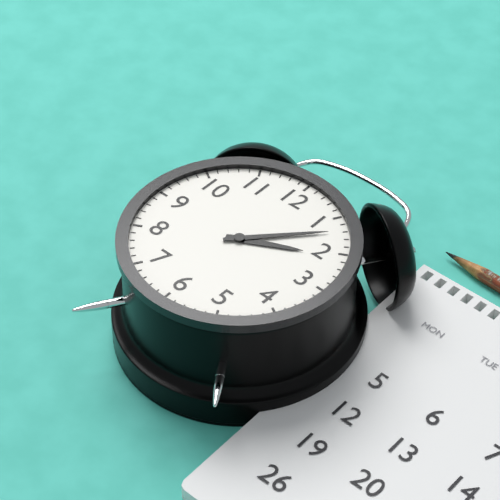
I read {"hour": 2, "minute": 7}
